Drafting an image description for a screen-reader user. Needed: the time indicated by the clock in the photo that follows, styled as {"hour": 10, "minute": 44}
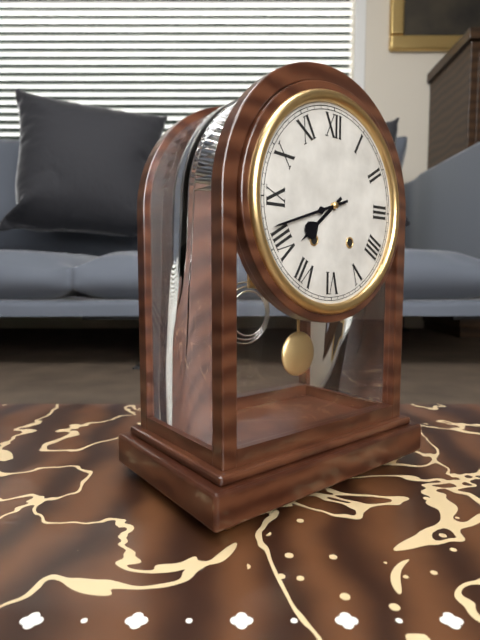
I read {"hour": 7, "minute": 42}
